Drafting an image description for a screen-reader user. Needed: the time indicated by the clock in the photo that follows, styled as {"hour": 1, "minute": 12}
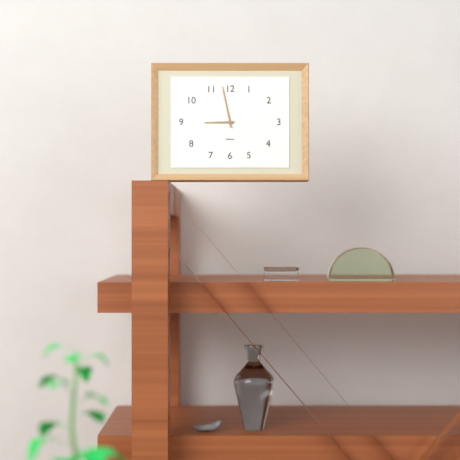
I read {"hour": 8, "minute": 58}
